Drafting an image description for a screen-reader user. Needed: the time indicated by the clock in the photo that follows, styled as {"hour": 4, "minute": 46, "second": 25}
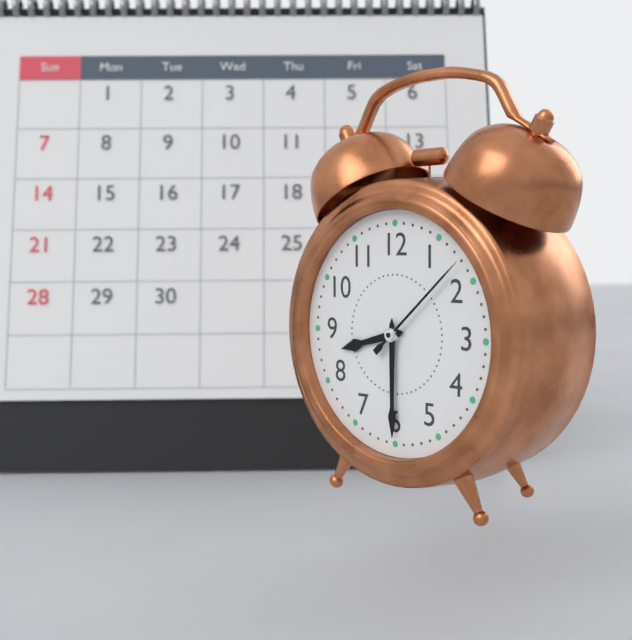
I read {"hour": 8, "minute": 30, "second": 8}
